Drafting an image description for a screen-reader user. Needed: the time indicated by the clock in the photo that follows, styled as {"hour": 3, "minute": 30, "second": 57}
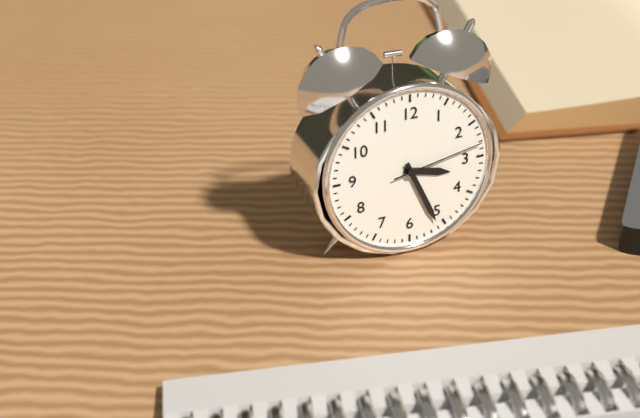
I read {"hour": 3, "minute": 26, "second": 13}
